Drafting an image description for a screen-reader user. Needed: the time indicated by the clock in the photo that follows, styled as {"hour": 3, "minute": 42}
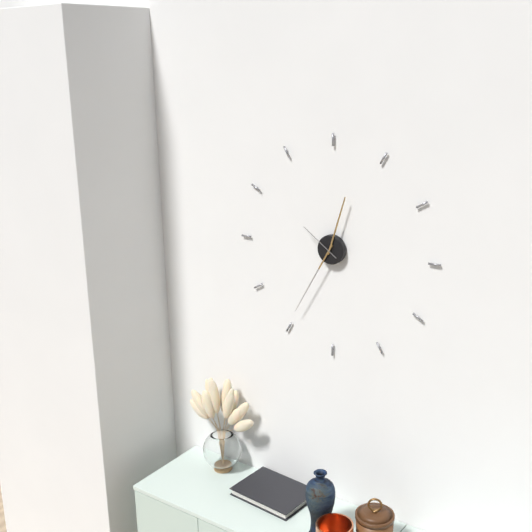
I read {"hour": 12, "minute": 35}
